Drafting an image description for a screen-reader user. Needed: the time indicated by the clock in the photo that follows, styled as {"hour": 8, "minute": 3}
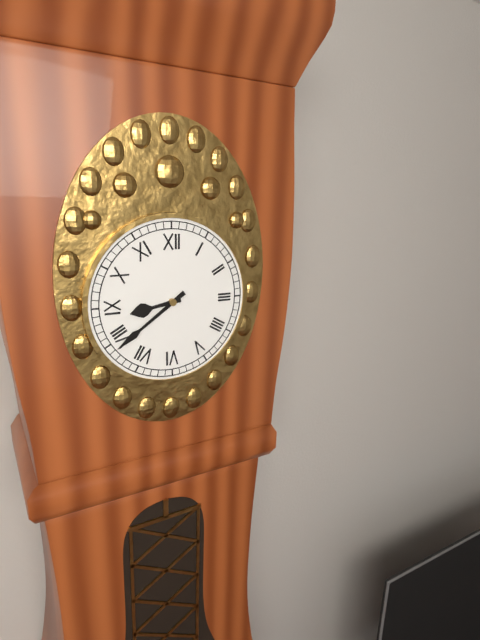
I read {"hour": 8, "minute": 39}
